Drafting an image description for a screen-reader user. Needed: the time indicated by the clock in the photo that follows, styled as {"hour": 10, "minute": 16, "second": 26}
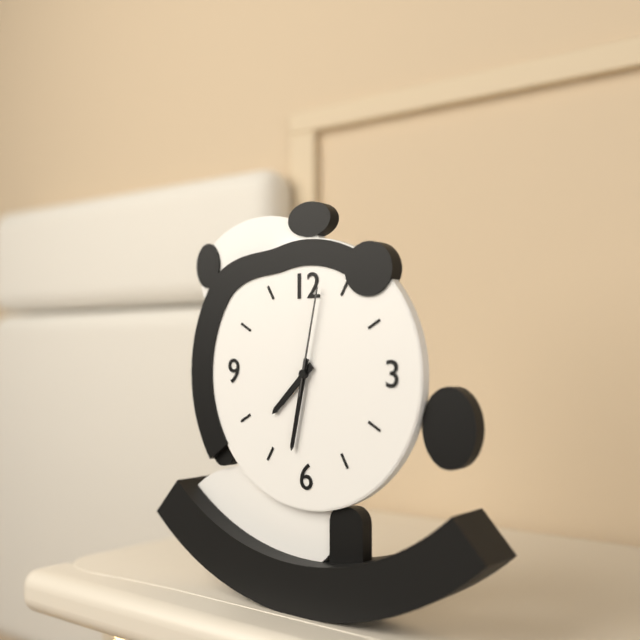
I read {"hour": 7, "minute": 32, "second": 2}
